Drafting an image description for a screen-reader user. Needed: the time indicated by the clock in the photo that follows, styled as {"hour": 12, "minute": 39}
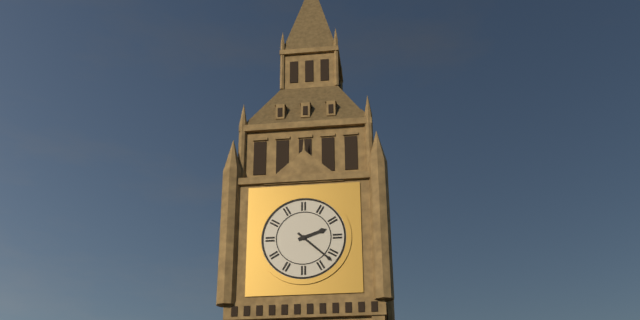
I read {"hour": 2, "minute": 22}
